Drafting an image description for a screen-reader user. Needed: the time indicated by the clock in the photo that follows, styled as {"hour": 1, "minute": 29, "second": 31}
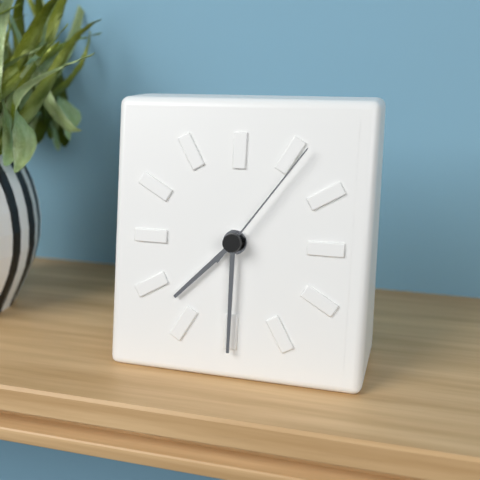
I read {"hour": 7, "minute": 30, "second": 6}
